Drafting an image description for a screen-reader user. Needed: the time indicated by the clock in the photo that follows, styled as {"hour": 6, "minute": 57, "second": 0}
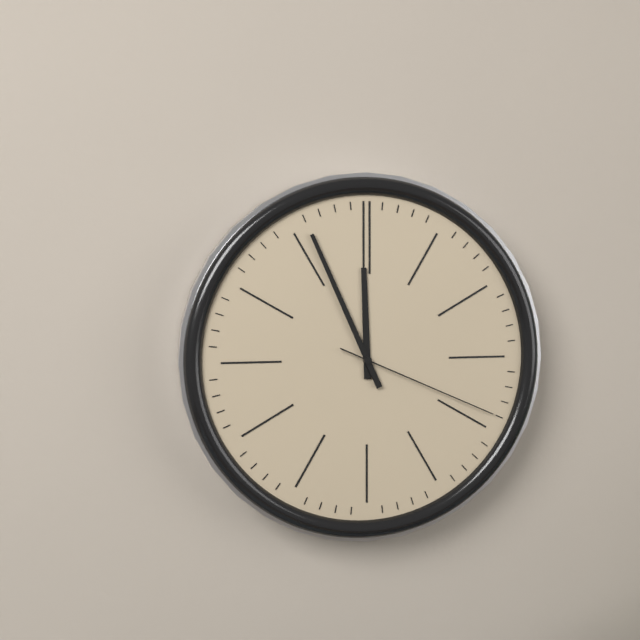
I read {"hour": 11, "minute": 56, "second": 19}
